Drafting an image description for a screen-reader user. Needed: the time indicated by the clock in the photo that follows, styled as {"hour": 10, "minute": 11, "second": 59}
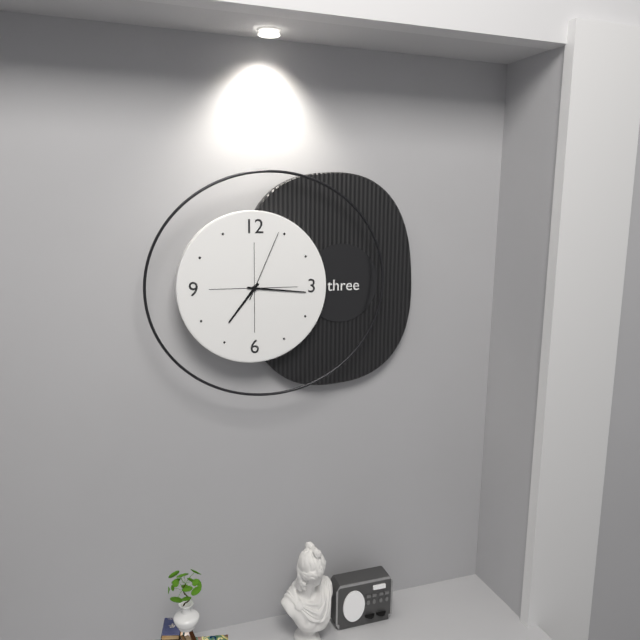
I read {"hour": 7, "minute": 16, "second": 4}
